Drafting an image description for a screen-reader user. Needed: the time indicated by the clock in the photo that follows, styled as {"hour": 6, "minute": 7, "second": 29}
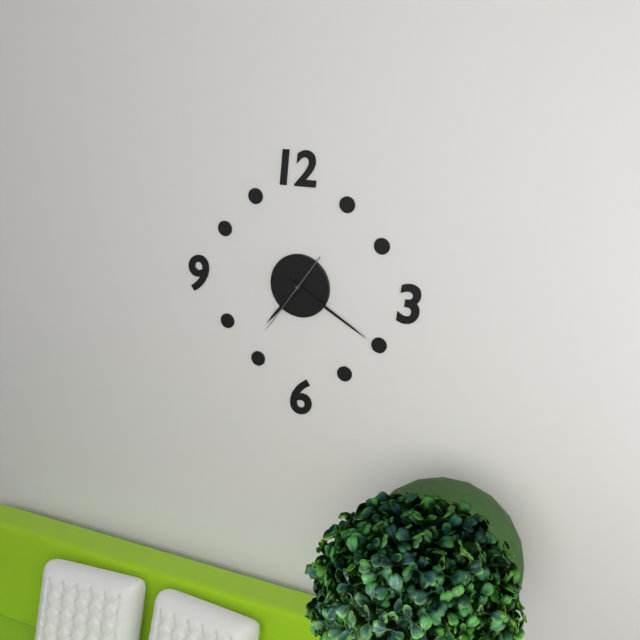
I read {"hour": 7, "minute": 20, "second": 36}
